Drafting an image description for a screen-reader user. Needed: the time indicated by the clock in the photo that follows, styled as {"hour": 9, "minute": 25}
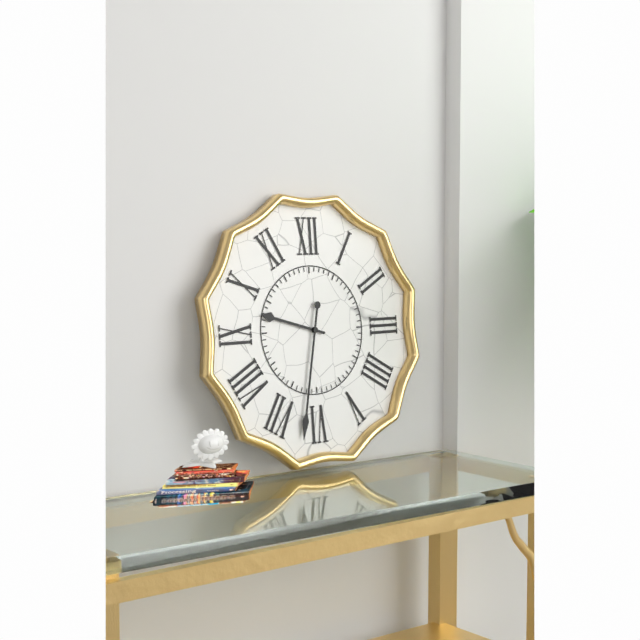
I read {"hour": 9, "minute": 32}
